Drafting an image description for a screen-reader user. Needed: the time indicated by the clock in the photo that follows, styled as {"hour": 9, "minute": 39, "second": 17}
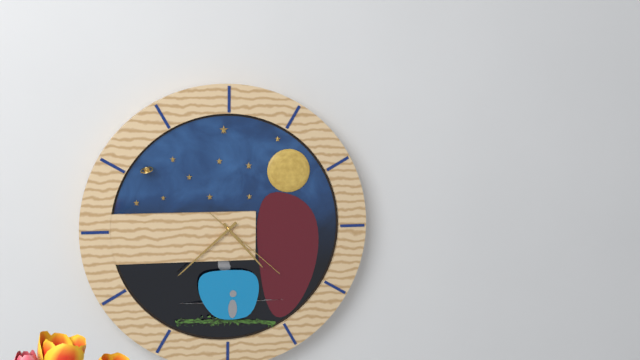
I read {"hour": 4, "minute": 38, "second": 22}
